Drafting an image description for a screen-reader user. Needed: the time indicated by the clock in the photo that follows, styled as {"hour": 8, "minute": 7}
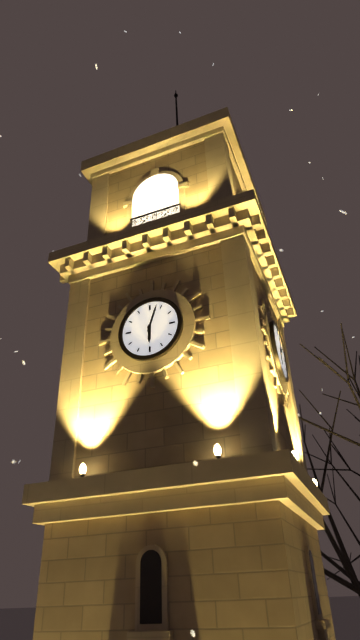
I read {"hour": 6, "minute": 3}
